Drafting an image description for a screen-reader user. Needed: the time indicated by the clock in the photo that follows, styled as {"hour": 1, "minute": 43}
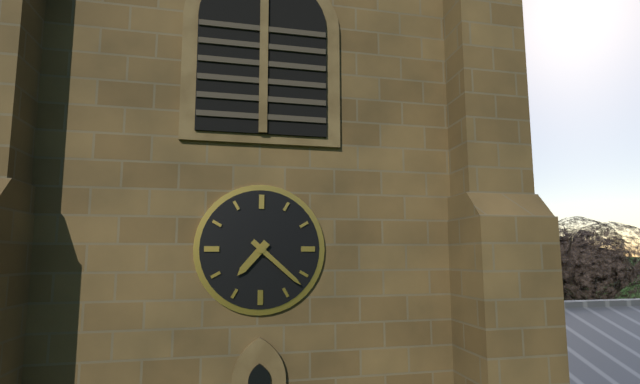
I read {"hour": 7, "minute": 22}
